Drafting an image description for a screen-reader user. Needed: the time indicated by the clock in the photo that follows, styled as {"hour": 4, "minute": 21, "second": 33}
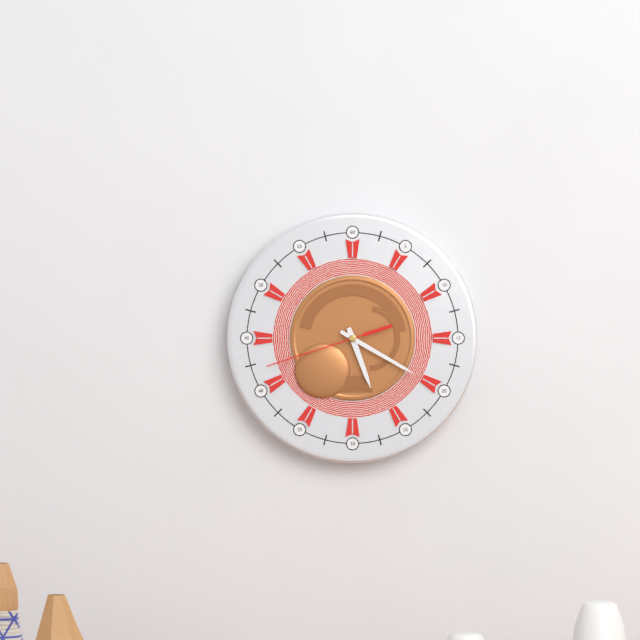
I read {"hour": 5, "minute": 20, "second": 42}
